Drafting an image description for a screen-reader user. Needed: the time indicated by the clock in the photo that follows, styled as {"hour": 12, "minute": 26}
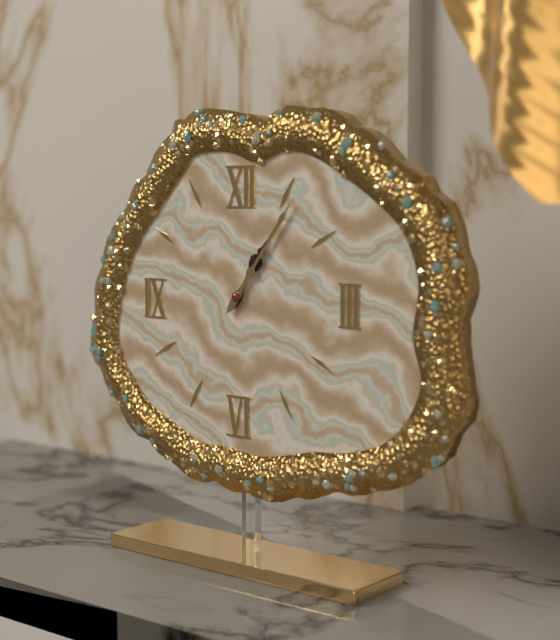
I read {"hour": 1, "minute": 6}
